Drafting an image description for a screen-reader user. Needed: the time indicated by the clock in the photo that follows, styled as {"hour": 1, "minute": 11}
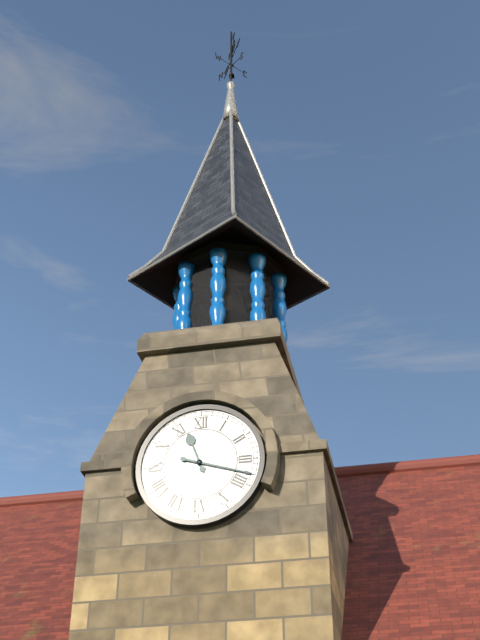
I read {"hour": 11, "minute": 18}
